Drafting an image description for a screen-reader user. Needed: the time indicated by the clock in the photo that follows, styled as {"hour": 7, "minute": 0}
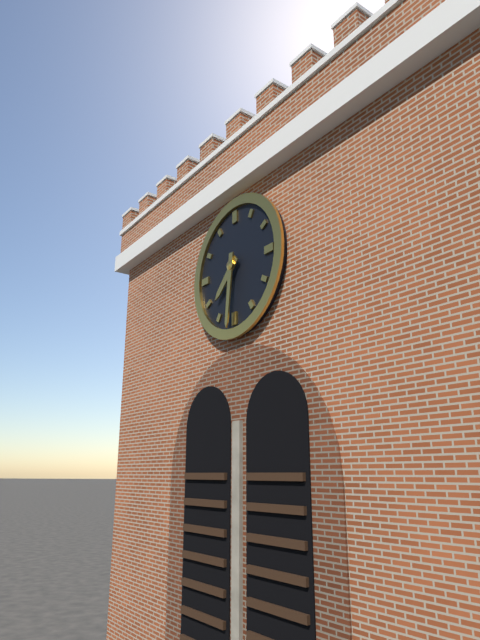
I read {"hour": 7, "minute": 31}
